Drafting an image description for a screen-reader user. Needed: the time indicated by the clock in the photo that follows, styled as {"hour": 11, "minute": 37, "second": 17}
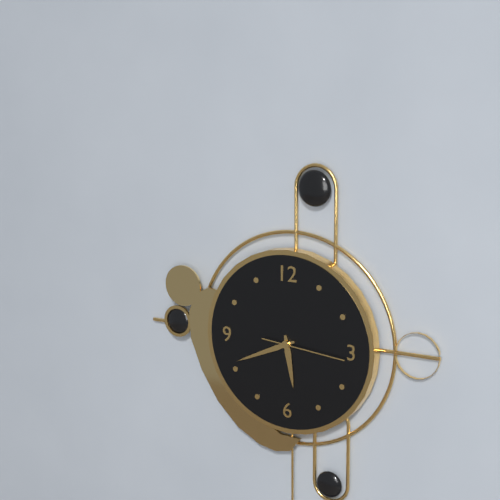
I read {"hour": 5, "minute": 41, "second": 16}
